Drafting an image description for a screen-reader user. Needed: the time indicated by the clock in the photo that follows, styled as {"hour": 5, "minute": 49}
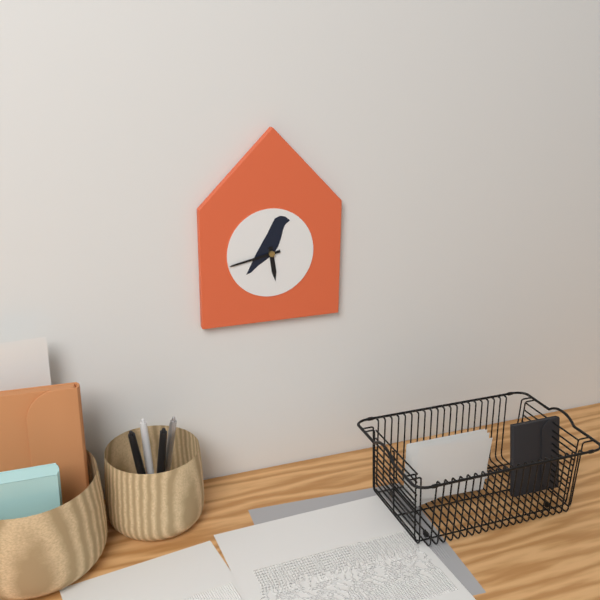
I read {"hour": 5, "minute": 43}
